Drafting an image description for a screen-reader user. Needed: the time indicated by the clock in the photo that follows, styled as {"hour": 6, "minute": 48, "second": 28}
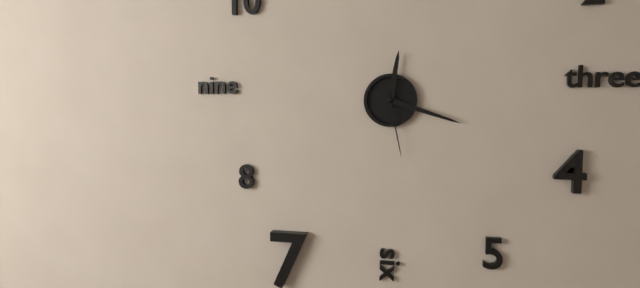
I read {"hour": 12, "minute": 18, "second": 28}
